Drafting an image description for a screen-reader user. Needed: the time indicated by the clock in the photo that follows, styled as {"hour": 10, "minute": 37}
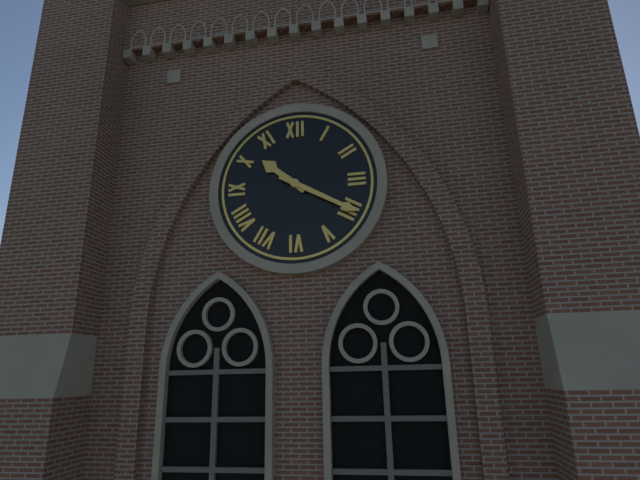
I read {"hour": 10, "minute": 20}
